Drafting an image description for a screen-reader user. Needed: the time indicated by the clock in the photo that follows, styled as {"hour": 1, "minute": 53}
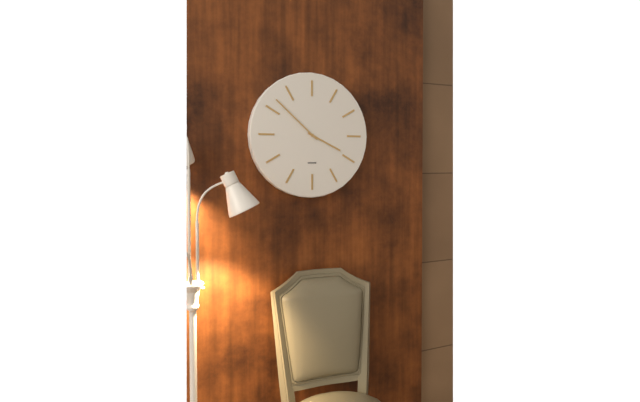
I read {"hour": 3, "minute": 52}
